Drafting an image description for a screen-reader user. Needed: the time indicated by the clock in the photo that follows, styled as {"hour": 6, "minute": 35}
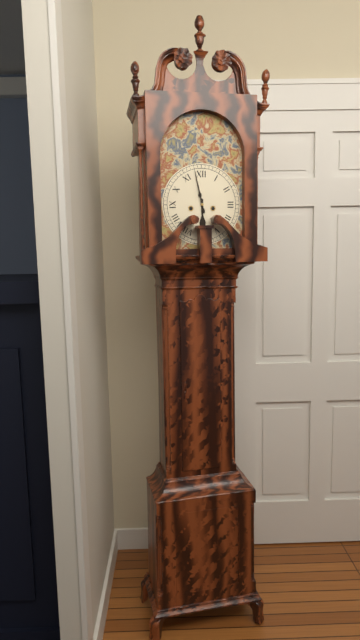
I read {"hour": 5, "minute": 58}
